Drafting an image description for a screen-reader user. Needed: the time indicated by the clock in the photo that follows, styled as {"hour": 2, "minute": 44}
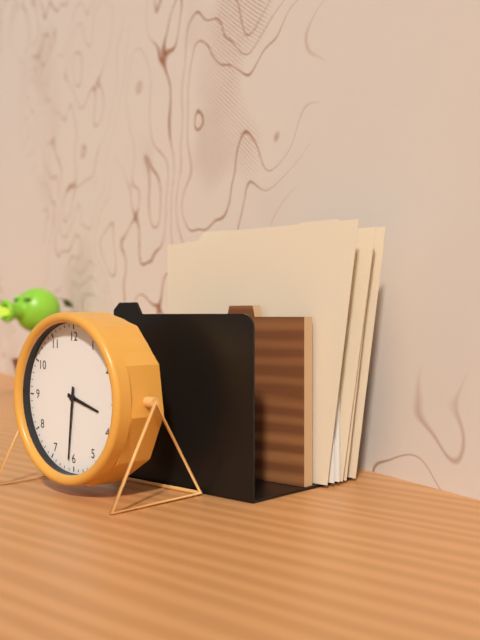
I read {"hour": 3, "minute": 31}
